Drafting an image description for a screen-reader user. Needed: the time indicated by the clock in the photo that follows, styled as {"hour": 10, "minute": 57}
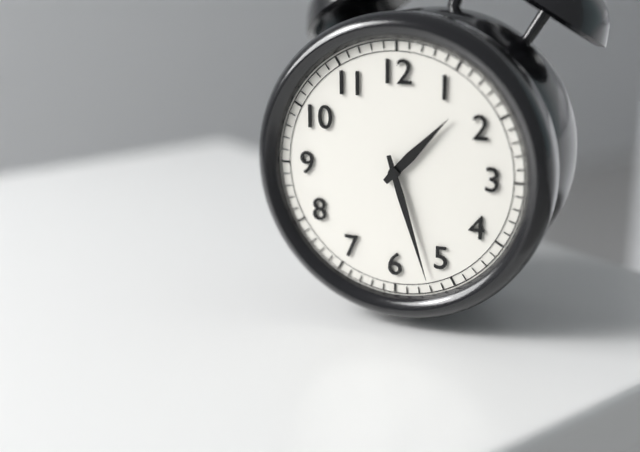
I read {"hour": 1, "minute": 27}
